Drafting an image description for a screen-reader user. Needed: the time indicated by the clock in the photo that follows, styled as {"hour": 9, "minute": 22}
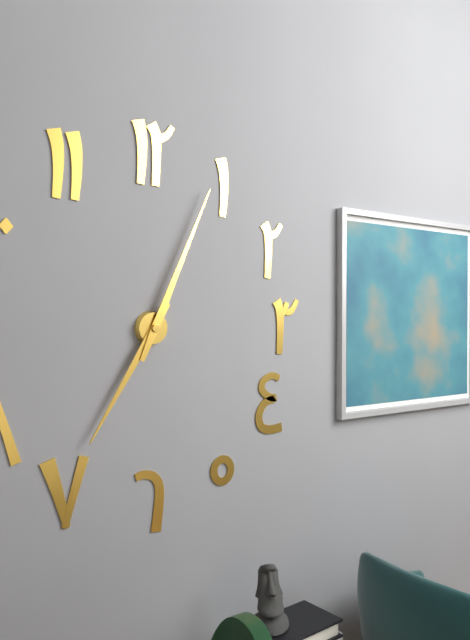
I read {"hour": 7, "minute": 4}
